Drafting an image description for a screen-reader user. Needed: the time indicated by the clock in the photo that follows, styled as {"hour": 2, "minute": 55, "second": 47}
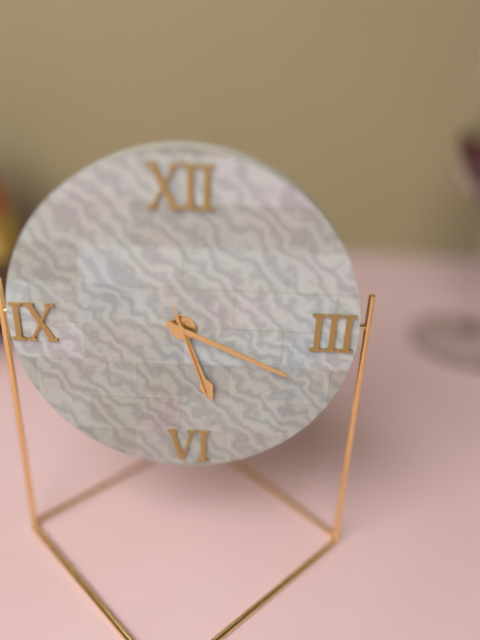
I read {"hour": 5, "minute": 19, "second": 27}
